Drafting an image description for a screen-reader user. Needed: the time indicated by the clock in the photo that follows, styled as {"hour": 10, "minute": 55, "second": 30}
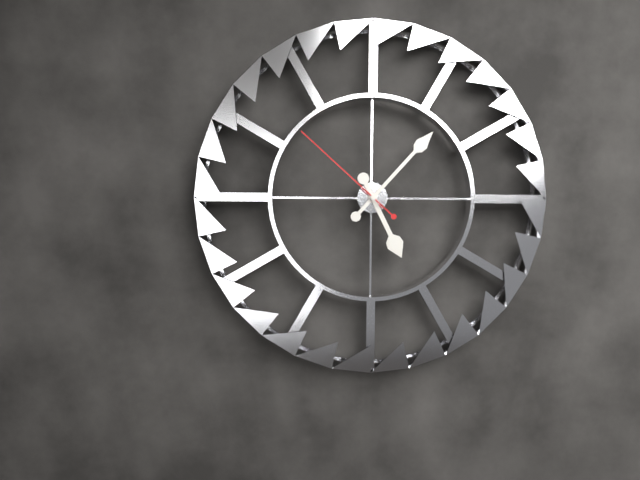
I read {"hour": 5, "minute": 7, "second": 52}
